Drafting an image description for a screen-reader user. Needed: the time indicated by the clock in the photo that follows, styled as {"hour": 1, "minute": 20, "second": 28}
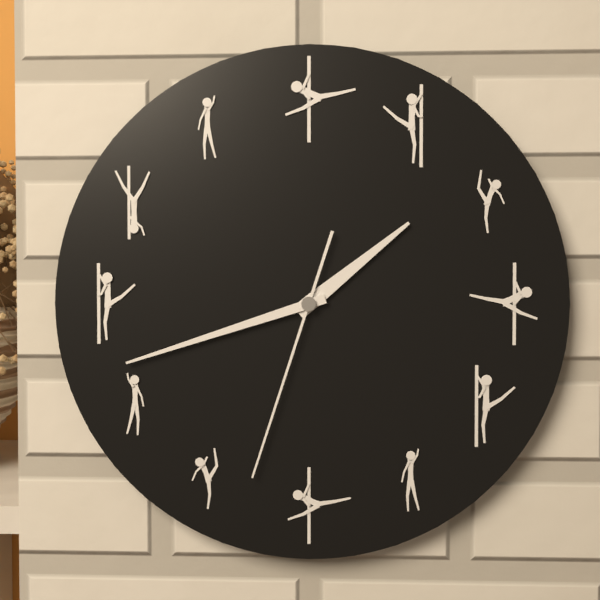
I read {"hour": 1, "minute": 42, "second": 33}
